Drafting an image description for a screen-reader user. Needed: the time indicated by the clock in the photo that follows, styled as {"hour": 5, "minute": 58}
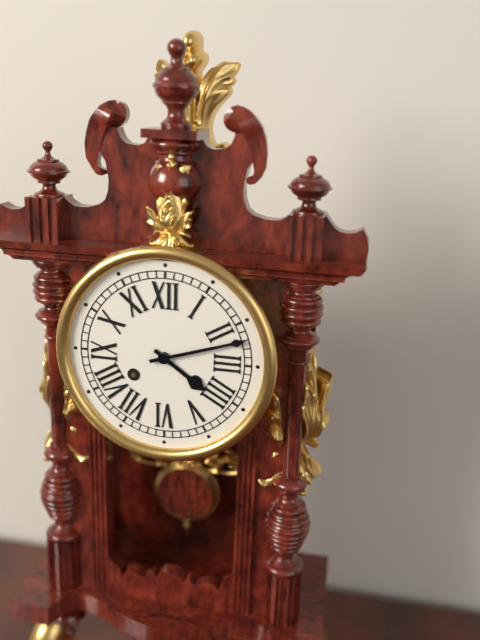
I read {"hour": 4, "minute": 12}
